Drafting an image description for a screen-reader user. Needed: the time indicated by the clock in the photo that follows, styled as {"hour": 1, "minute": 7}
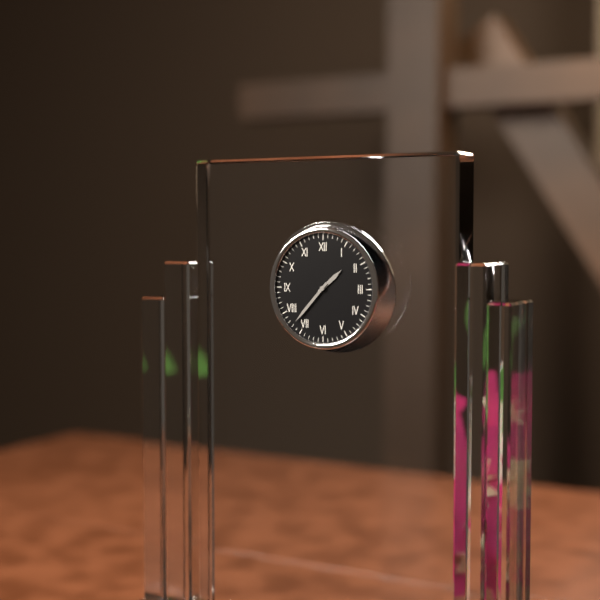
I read {"hour": 1, "minute": 37}
